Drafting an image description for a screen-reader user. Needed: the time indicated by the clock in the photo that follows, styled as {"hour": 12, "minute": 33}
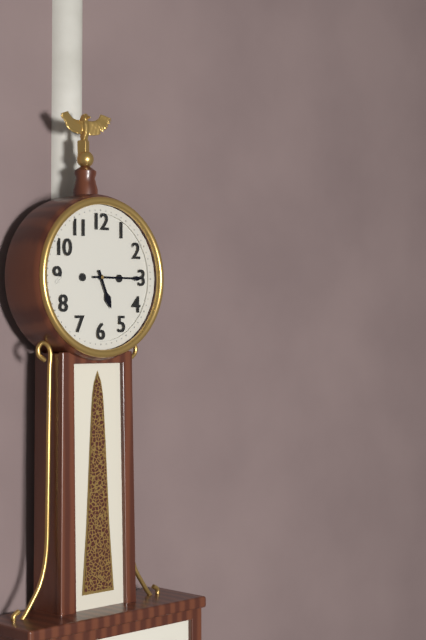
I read {"hour": 5, "minute": 15}
